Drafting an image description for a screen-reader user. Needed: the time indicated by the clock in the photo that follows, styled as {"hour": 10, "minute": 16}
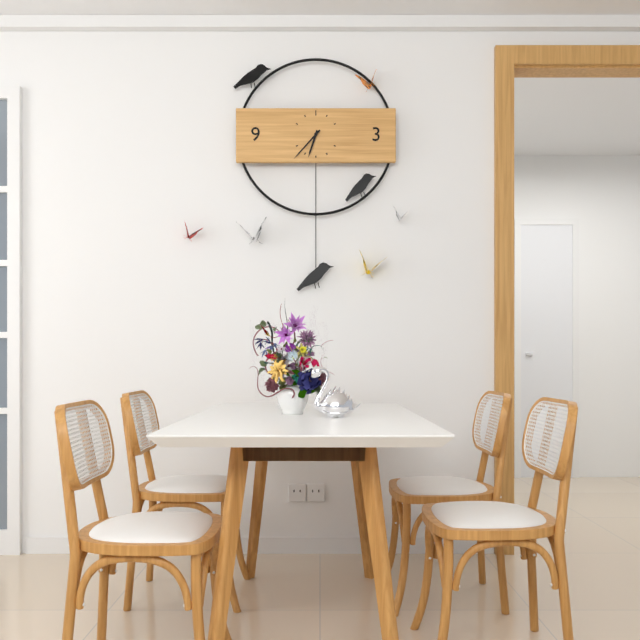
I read {"hour": 6, "minute": 37}
